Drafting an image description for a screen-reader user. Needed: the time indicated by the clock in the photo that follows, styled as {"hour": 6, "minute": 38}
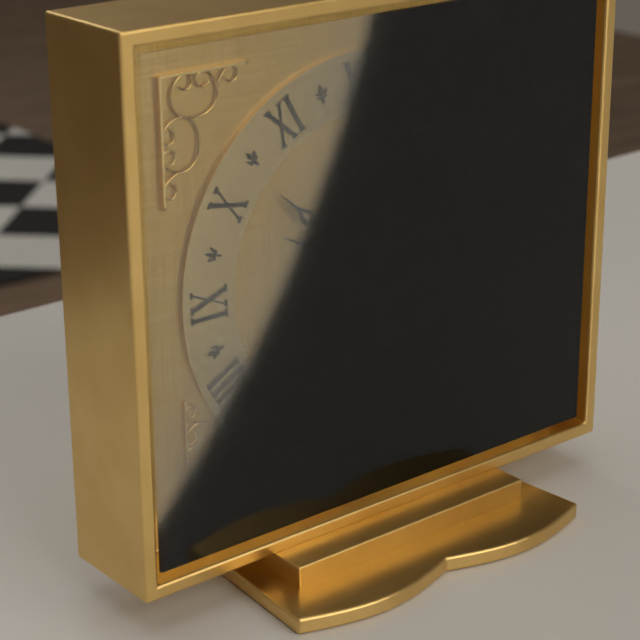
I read {"hour": 9, "minute": 52}
